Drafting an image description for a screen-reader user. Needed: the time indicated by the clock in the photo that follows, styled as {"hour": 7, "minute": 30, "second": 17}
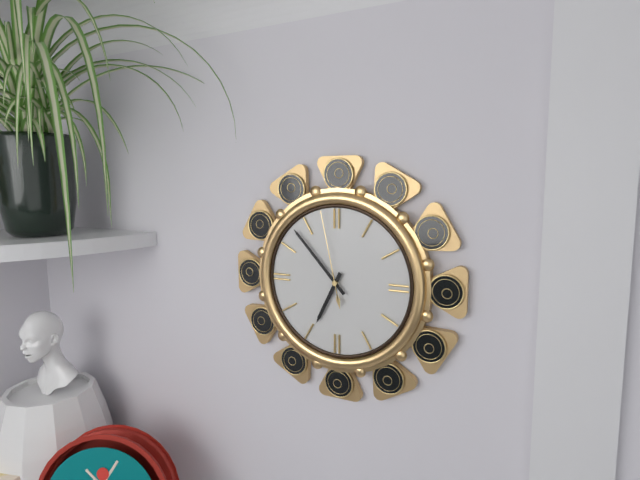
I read {"hour": 6, "minute": 53, "second": 58}
